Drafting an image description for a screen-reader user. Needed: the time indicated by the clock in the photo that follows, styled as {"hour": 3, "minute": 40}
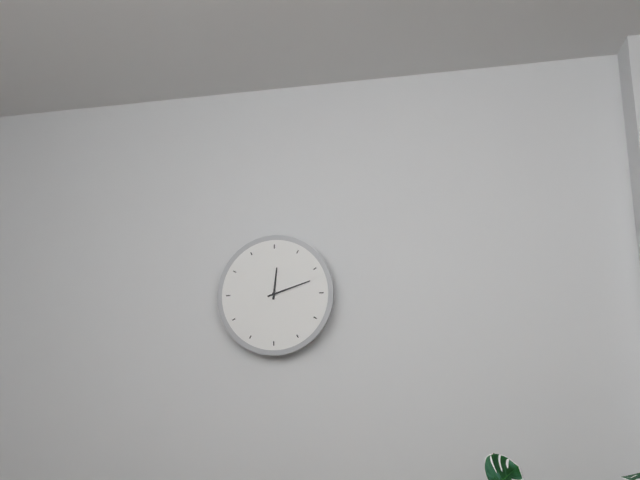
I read {"hour": 12, "minute": 12}
